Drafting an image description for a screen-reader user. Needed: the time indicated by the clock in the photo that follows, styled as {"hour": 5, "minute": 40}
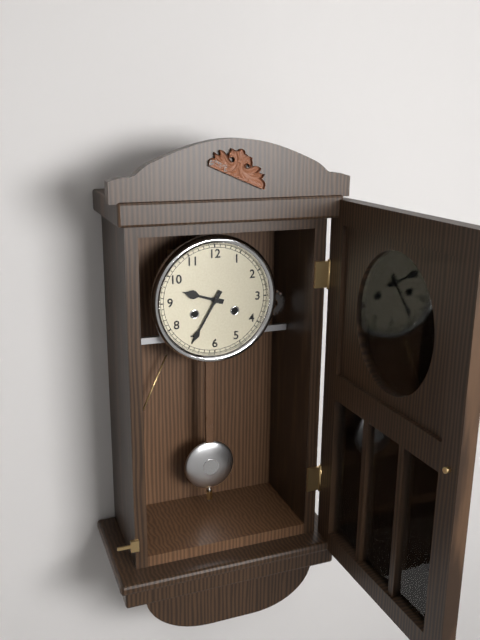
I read {"hour": 9, "minute": 35}
